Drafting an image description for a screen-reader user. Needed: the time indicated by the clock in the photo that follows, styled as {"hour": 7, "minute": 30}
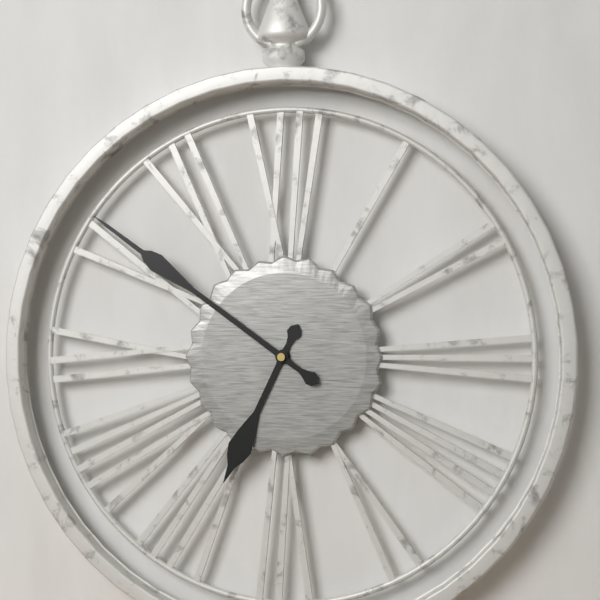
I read {"hour": 6, "minute": 51}
